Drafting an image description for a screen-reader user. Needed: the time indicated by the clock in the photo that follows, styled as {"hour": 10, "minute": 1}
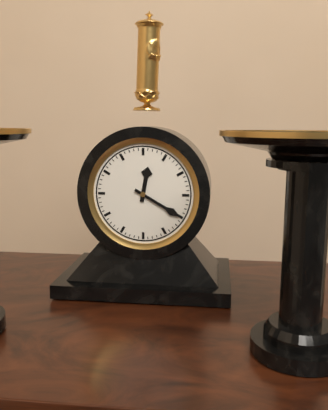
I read {"hour": 12, "minute": 20}
